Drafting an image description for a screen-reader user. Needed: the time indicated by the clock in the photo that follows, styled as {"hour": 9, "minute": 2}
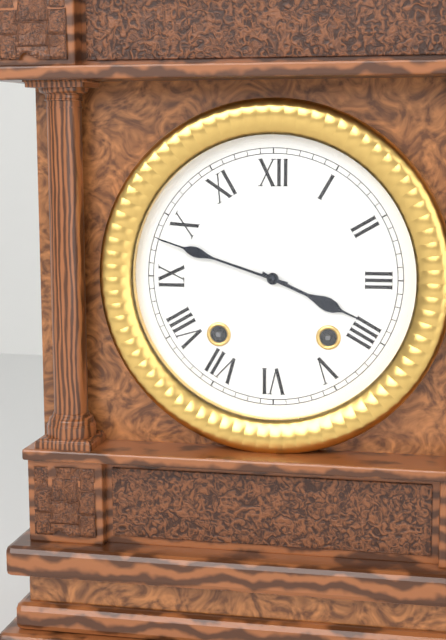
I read {"hour": 3, "minute": 48}
